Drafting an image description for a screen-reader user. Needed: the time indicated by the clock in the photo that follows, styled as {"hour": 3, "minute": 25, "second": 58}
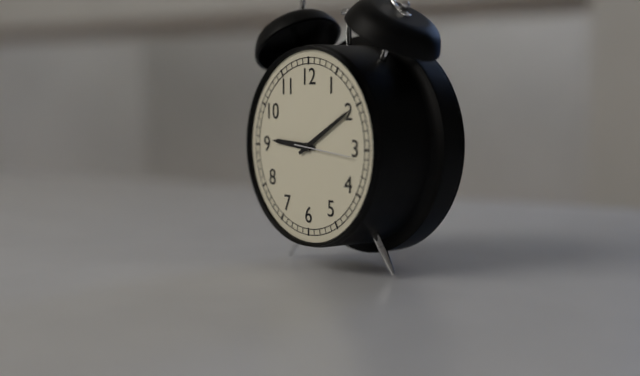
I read {"hour": 9, "minute": 10, "second": 16}
